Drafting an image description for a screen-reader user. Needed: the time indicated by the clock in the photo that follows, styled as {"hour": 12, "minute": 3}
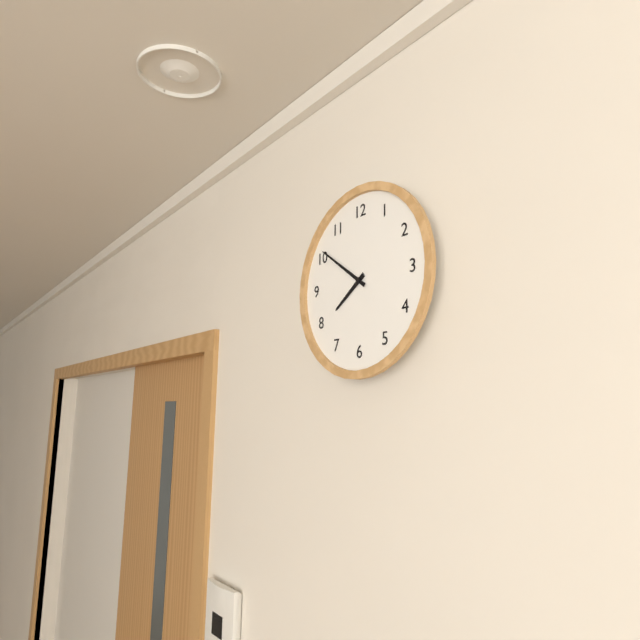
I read {"hour": 7, "minute": 51}
